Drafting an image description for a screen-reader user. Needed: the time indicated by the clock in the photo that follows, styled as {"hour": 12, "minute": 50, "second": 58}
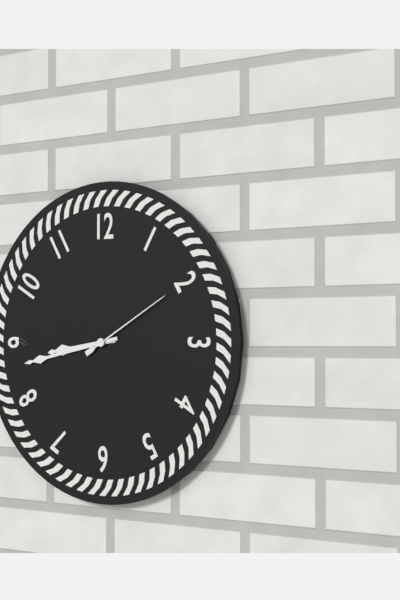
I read {"hour": 8, "minute": 43, "second": 10}
